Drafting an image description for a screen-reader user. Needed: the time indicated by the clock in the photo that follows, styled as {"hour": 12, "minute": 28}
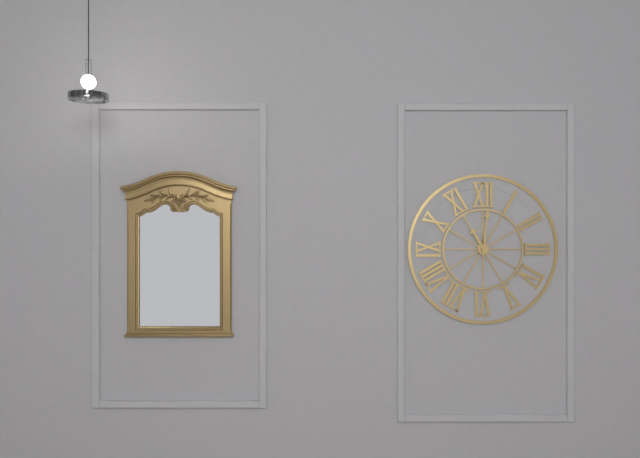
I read {"hour": 11, "minute": 1}
